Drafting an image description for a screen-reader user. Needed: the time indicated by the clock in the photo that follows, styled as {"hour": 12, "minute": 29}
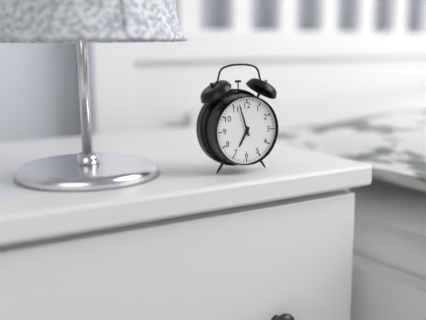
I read {"hour": 6, "minute": 57}
